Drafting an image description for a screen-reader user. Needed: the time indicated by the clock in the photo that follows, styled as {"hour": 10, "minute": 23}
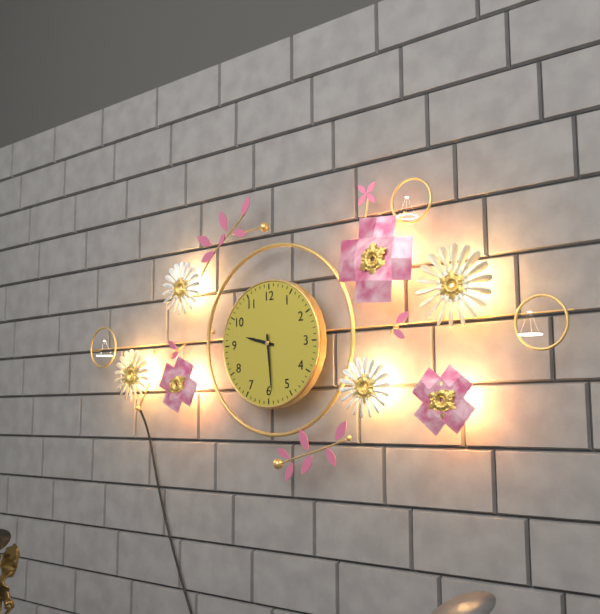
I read {"hour": 9, "minute": 29}
